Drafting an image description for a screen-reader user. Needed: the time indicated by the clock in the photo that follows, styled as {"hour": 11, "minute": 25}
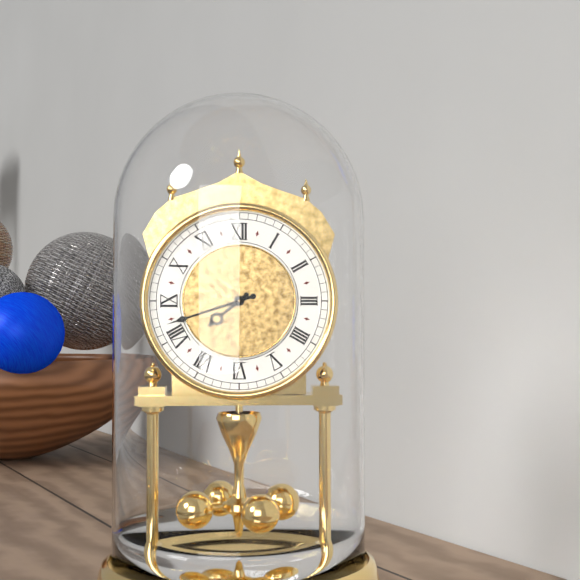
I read {"hour": 7, "minute": 42}
